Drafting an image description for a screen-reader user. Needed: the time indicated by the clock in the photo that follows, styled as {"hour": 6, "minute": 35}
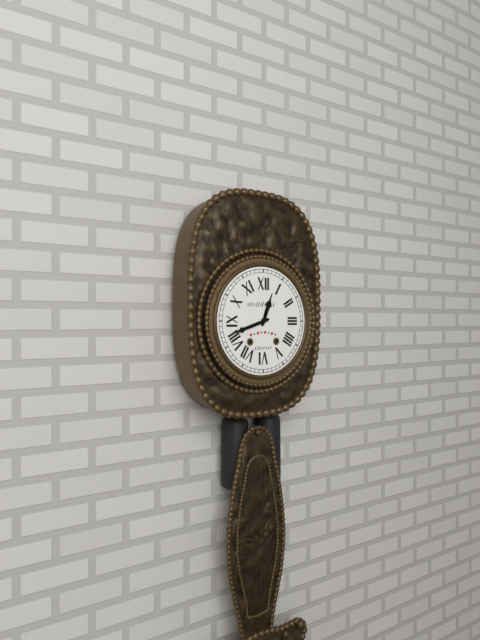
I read {"hour": 12, "minute": 42}
